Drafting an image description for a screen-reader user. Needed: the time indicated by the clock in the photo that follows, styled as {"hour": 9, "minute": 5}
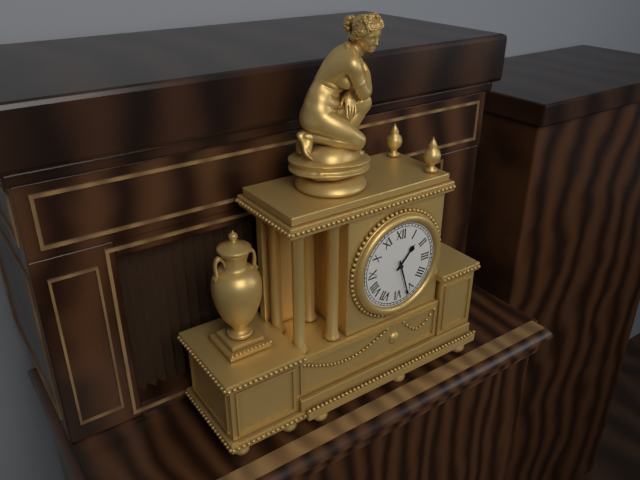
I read {"hour": 1, "minute": 27}
